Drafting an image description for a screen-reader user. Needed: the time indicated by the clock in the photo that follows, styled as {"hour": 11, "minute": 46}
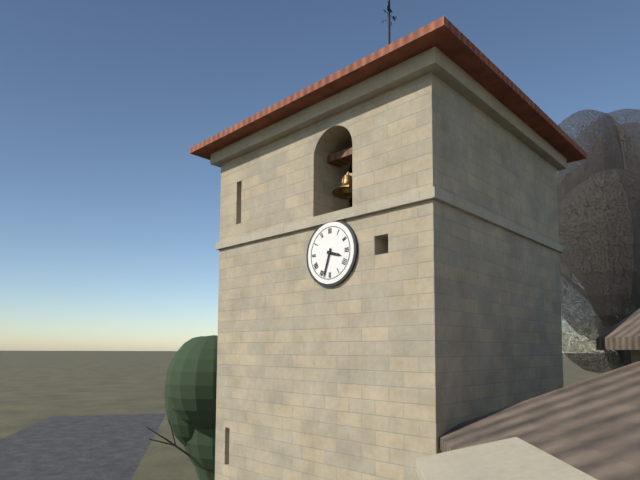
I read {"hour": 3, "minute": 33}
